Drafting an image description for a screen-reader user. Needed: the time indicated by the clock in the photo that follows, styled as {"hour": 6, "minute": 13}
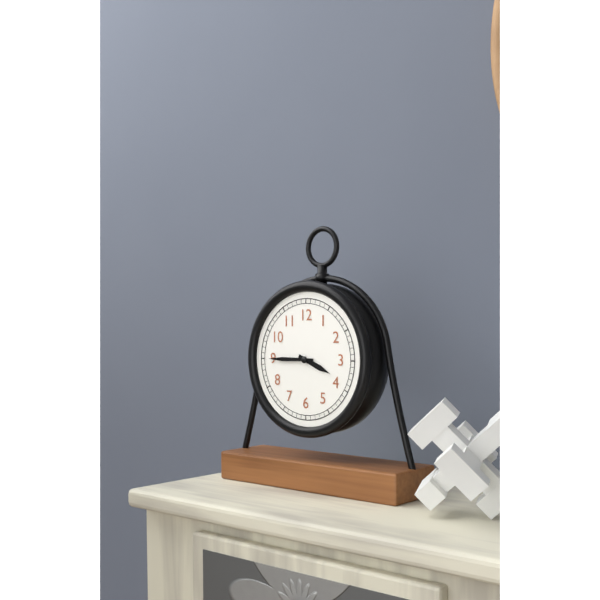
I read {"hour": 3, "minute": 45}
